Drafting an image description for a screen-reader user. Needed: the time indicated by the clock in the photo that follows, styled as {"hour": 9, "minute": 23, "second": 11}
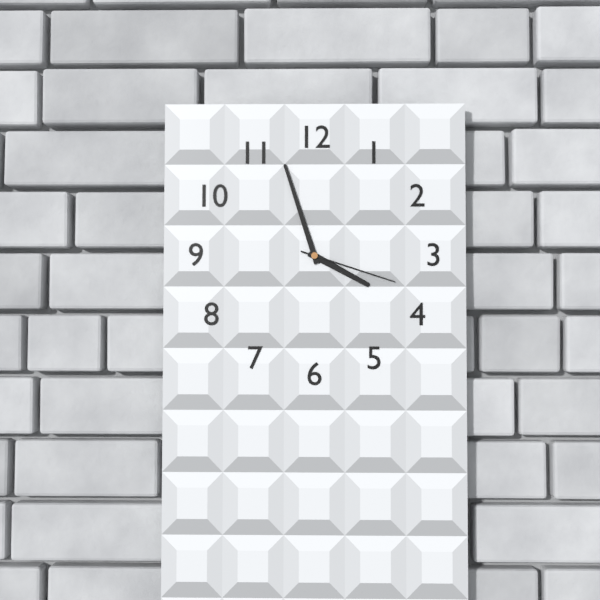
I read {"hour": 3, "minute": 57, "second": 18}
